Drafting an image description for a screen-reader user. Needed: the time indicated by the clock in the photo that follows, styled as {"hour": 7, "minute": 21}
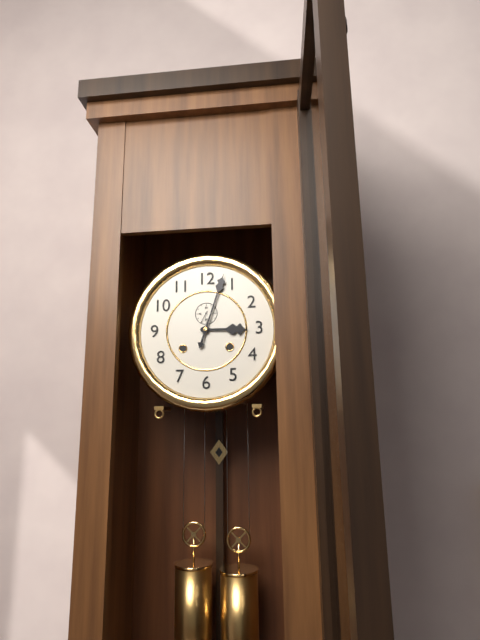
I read {"hour": 3, "minute": 3}
